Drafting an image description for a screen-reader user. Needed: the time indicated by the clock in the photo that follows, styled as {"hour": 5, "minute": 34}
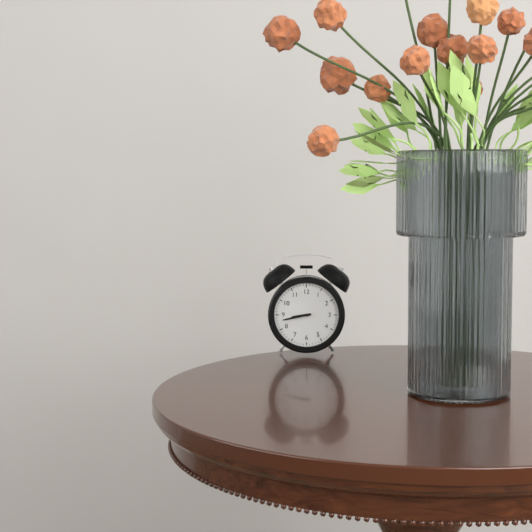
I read {"hour": 8, "minute": 43}
